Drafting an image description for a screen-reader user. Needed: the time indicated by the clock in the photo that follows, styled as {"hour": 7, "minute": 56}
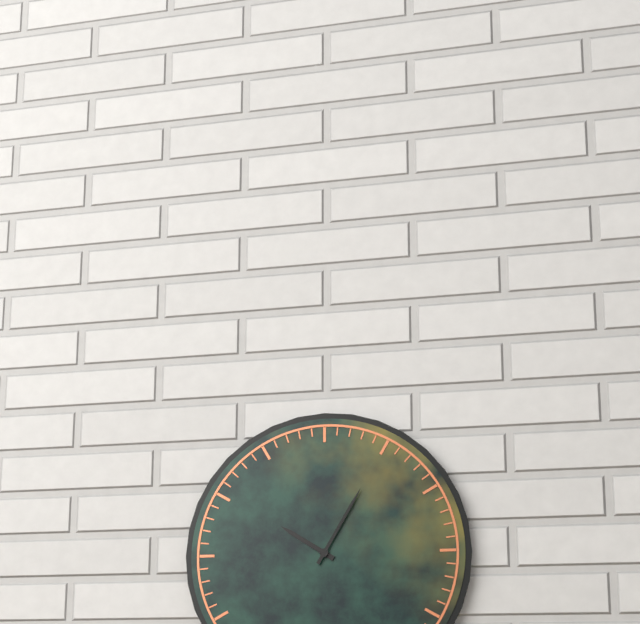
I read {"hour": 10, "minute": 5}
